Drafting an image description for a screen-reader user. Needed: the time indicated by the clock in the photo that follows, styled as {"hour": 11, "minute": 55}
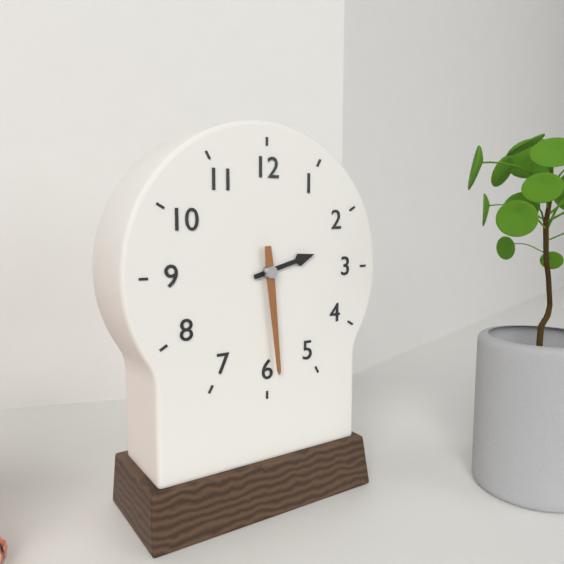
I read {"hour": 2, "minute": 29}
